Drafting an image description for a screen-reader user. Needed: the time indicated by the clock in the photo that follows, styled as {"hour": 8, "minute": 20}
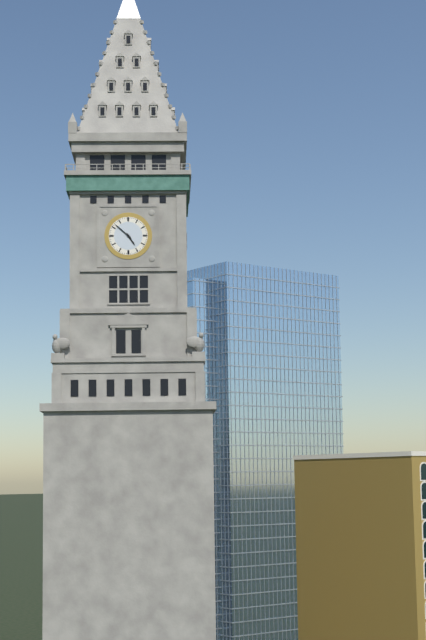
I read {"hour": 4, "minute": 52}
